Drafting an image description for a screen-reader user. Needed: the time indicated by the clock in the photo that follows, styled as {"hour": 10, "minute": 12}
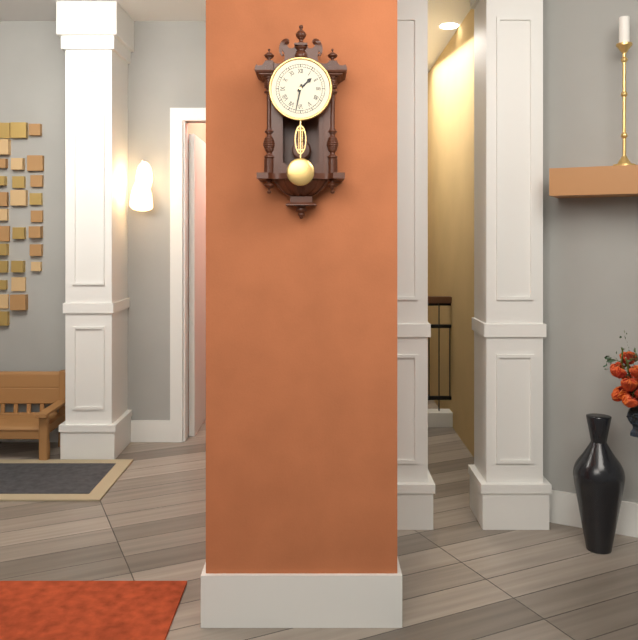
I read {"hour": 1, "minute": 32}
